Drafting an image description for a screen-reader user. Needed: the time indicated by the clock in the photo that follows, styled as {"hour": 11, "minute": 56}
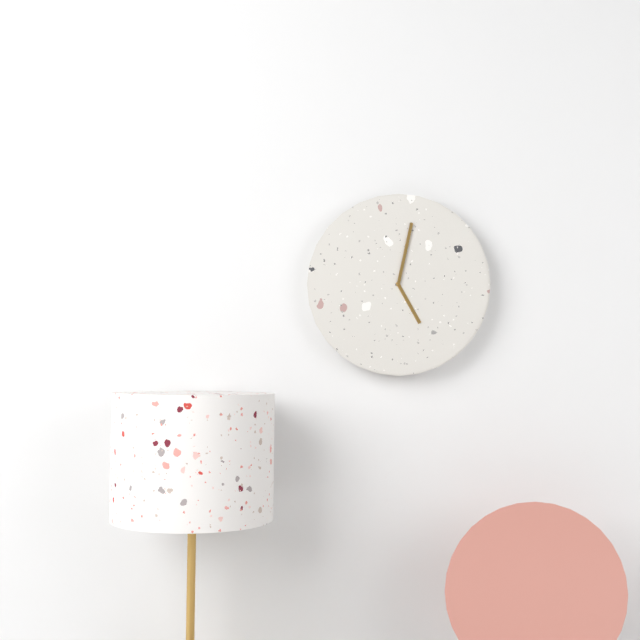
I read {"hour": 5, "minute": 2}
